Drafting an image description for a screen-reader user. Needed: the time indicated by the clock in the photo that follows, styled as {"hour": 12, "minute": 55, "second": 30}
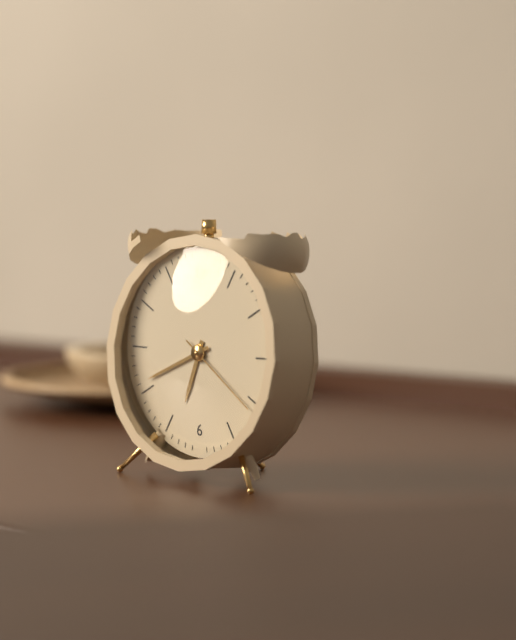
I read {"hour": 6, "minute": 41, "second": 21}
